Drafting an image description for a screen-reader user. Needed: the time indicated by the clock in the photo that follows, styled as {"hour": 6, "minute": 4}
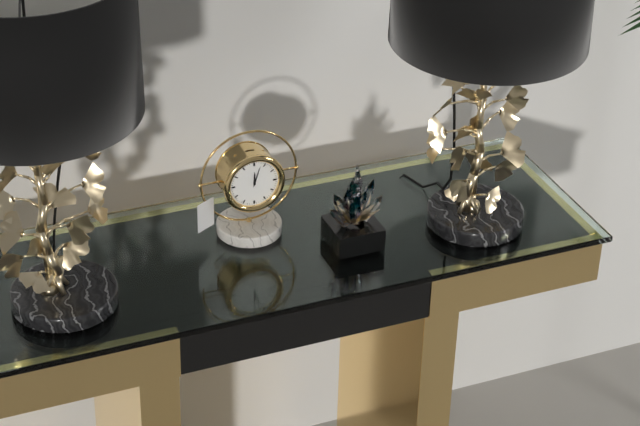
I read {"hour": 12, "minute": 3}
